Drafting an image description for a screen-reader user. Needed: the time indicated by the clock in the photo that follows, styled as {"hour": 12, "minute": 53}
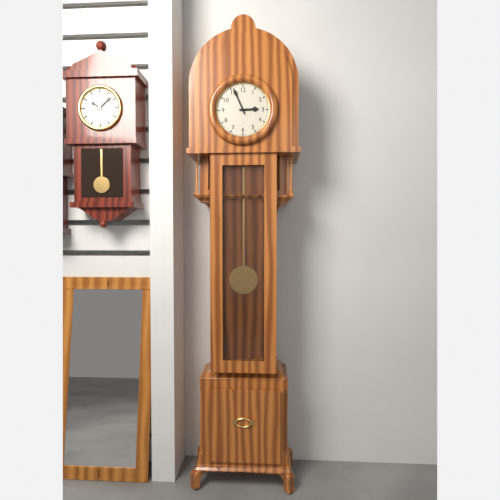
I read {"hour": 2, "minute": 56}
